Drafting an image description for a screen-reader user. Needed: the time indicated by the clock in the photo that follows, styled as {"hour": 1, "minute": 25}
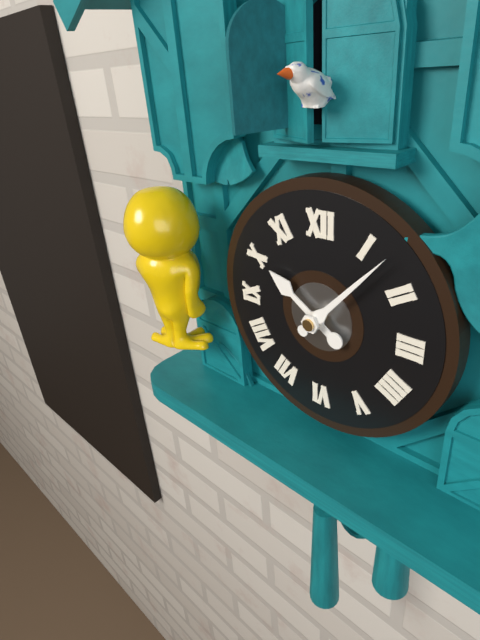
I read {"hour": 10, "minute": 7}
